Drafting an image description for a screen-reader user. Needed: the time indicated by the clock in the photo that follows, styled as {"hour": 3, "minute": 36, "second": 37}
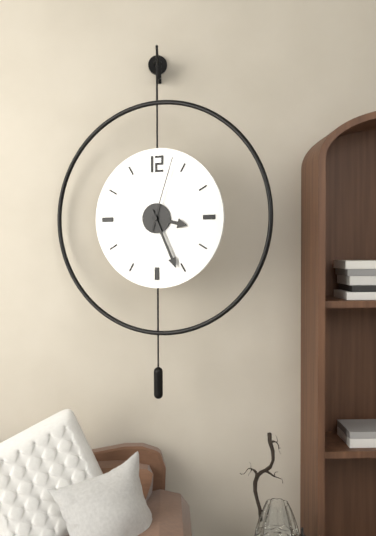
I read {"hour": 3, "minute": 26, "second": 3}
